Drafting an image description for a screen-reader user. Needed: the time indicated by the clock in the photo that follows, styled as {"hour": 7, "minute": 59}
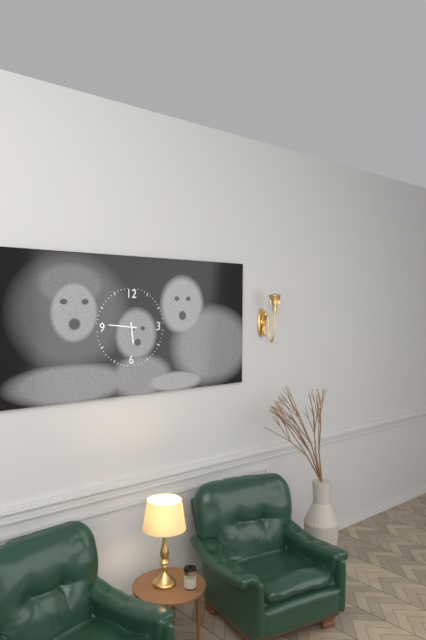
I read {"hour": 5, "minute": 46}
